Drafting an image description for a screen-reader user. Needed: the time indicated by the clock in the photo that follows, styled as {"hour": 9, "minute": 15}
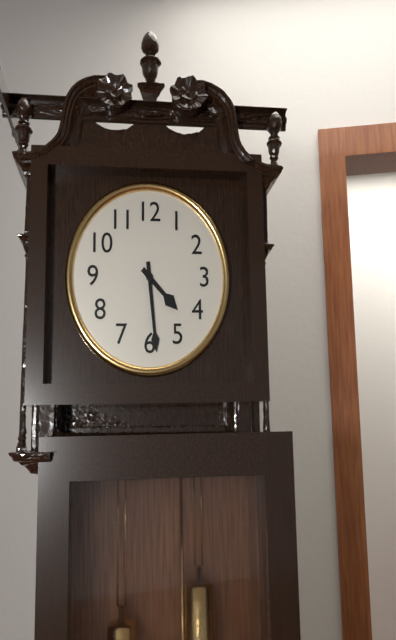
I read {"hour": 4, "minute": 29}
